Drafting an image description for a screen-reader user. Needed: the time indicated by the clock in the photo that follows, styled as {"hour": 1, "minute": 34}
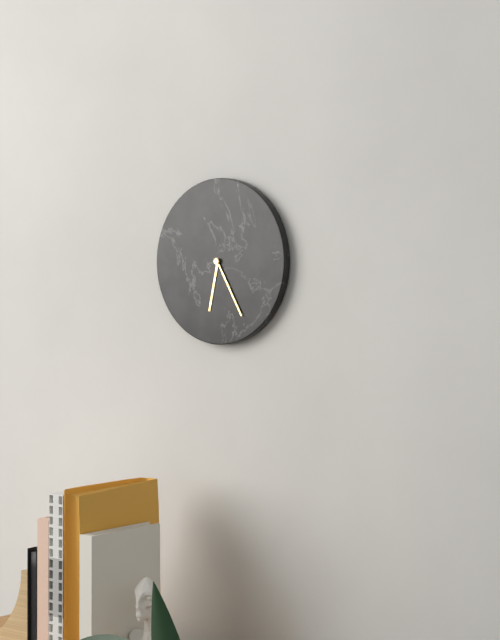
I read {"hour": 6, "minute": 25}
